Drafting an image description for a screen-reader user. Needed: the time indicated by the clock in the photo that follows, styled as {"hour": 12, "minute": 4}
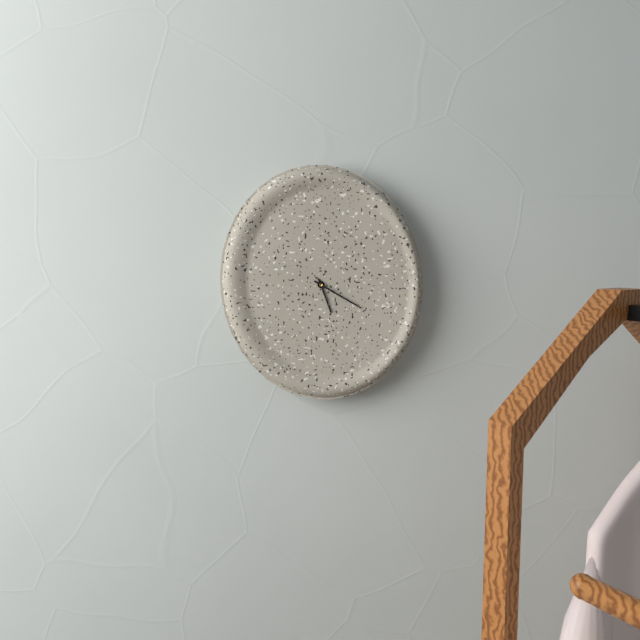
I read {"hour": 5, "minute": 20}
